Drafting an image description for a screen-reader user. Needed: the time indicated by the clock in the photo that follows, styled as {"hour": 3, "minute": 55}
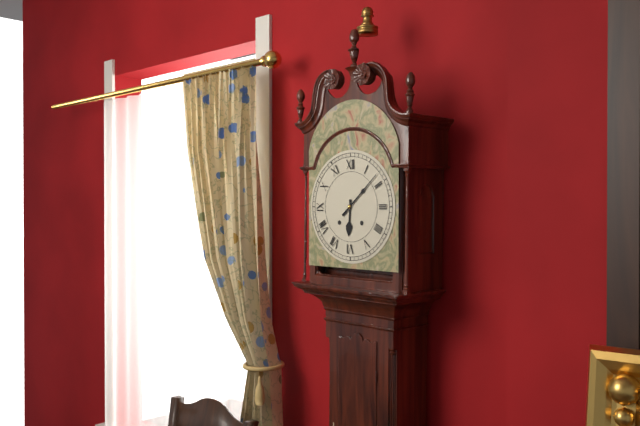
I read {"hour": 6, "minute": 8}
